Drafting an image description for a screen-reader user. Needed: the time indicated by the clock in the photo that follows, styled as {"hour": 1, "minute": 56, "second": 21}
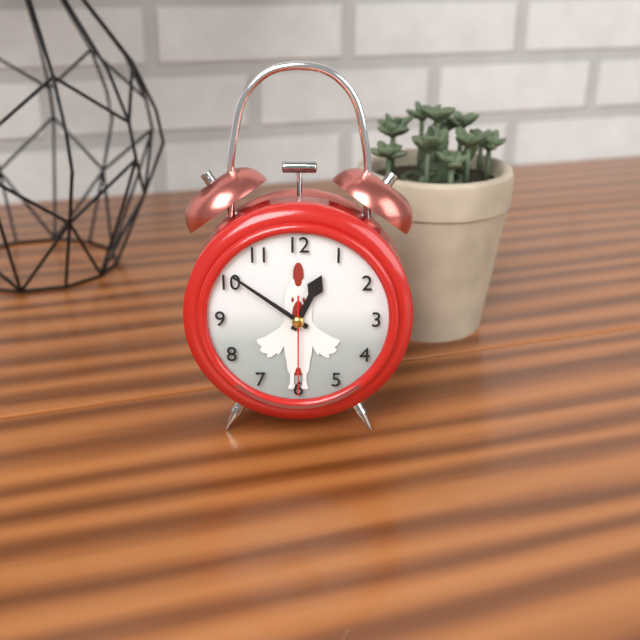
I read {"hour": 12, "minute": 51, "second": 30}
